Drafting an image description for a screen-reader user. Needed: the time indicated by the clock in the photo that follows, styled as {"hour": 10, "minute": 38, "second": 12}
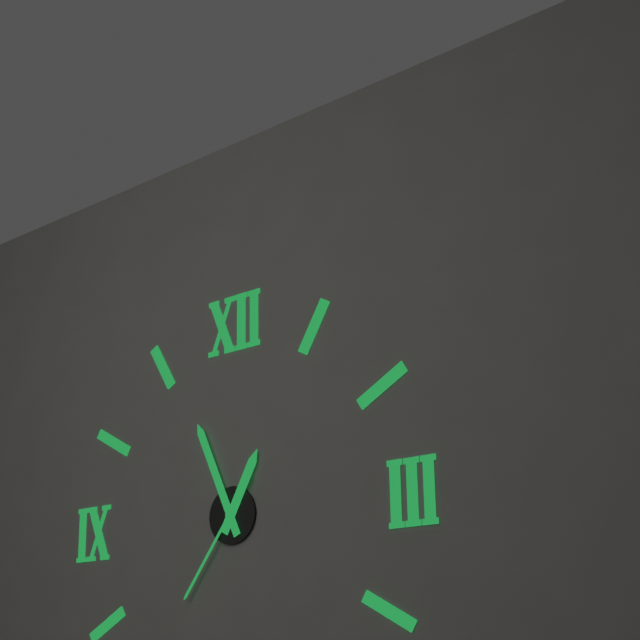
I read {"hour": 12, "minute": 56, "second": 36}
